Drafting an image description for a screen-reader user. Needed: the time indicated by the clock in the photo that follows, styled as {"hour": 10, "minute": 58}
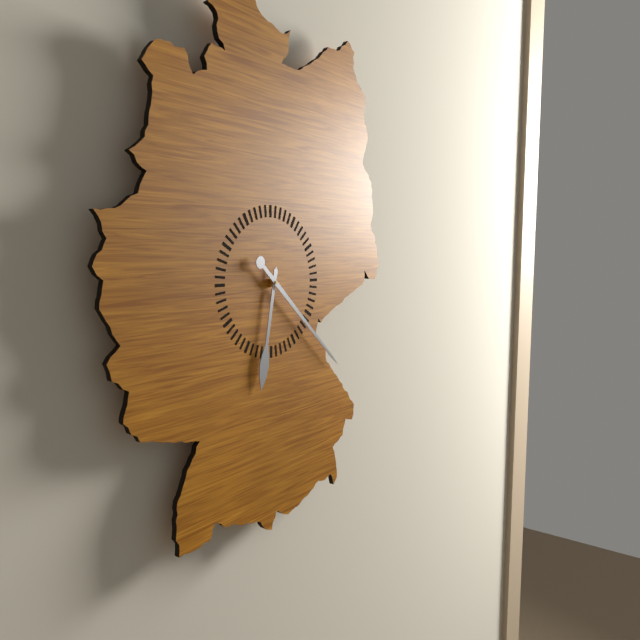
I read {"hour": 6, "minute": 22}
